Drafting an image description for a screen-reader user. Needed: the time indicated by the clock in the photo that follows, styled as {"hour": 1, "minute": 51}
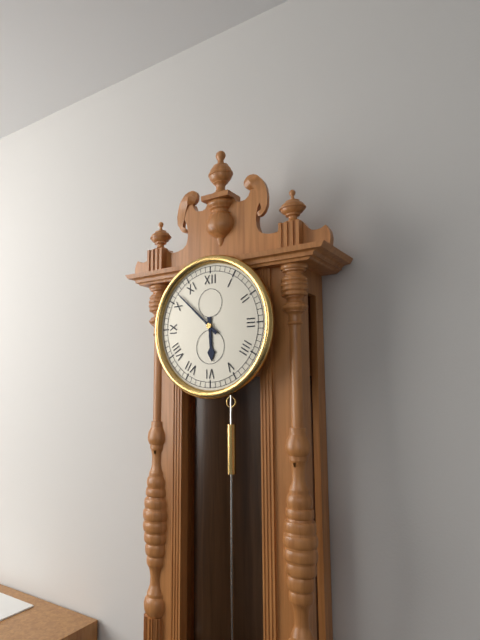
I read {"hour": 5, "minute": 52}
